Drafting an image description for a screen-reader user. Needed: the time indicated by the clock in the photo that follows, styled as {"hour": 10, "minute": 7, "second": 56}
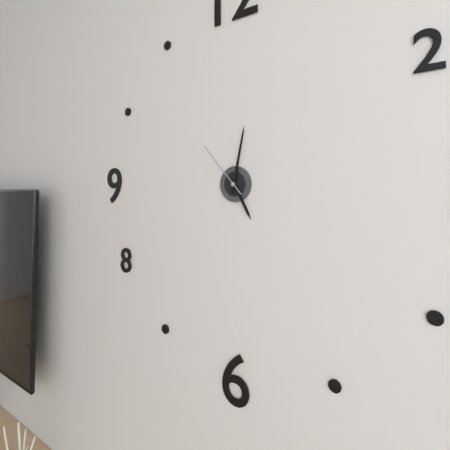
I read {"hour": 5, "minute": 2, "second": 53}
